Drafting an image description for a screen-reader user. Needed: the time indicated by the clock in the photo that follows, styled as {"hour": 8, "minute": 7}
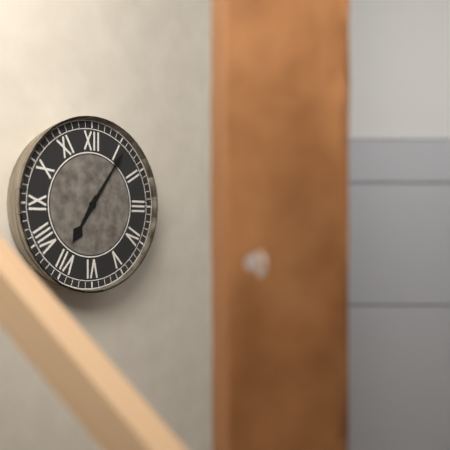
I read {"hour": 7, "minute": 6}
